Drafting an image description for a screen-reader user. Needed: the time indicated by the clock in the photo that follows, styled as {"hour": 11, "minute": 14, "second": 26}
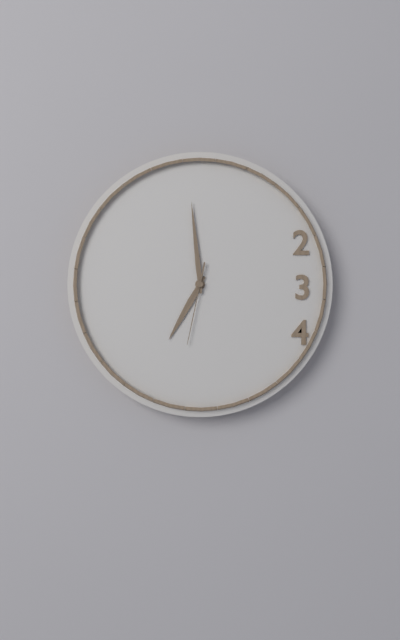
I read {"hour": 6, "minute": 59, "second": 32}
